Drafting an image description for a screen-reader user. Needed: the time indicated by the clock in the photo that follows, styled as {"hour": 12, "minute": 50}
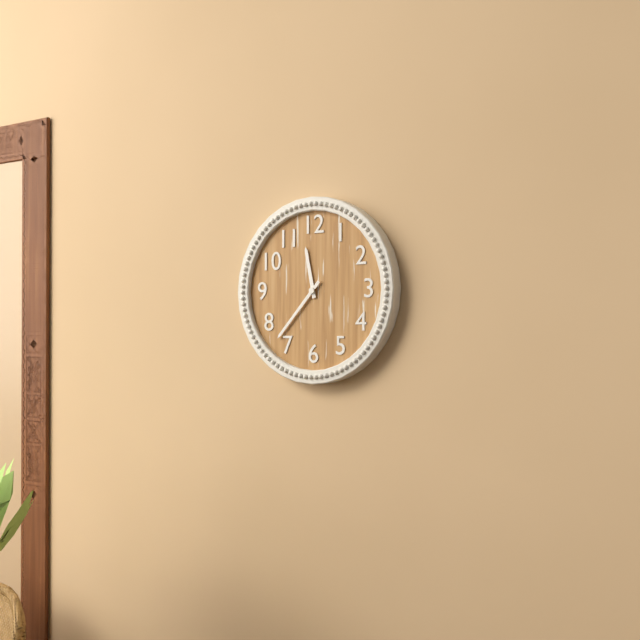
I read {"hour": 11, "minute": 37}
